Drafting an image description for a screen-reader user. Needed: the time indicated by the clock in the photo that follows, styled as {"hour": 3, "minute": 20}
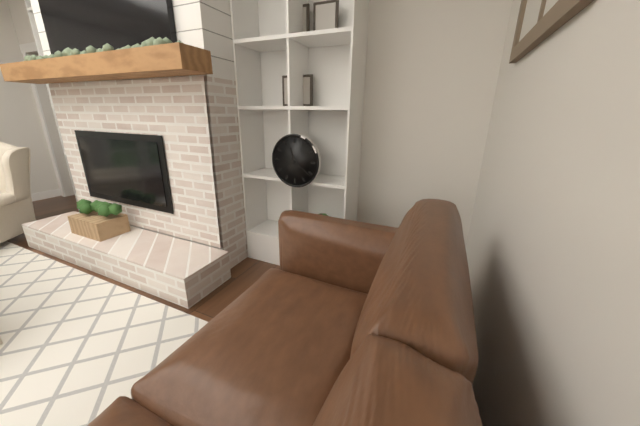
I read {"hour": 11, "minute": 21}
